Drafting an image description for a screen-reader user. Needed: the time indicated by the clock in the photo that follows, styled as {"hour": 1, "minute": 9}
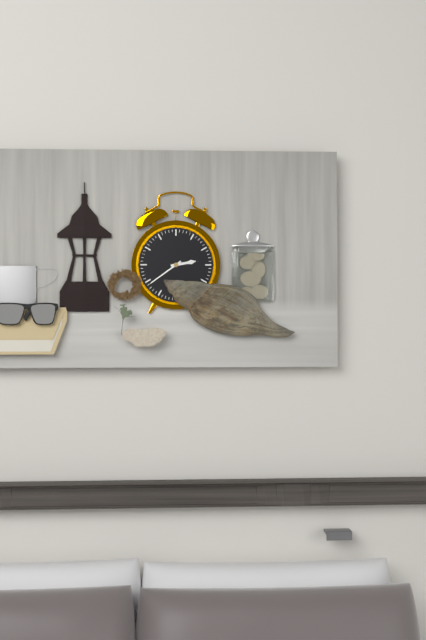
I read {"hour": 2, "minute": 39}
